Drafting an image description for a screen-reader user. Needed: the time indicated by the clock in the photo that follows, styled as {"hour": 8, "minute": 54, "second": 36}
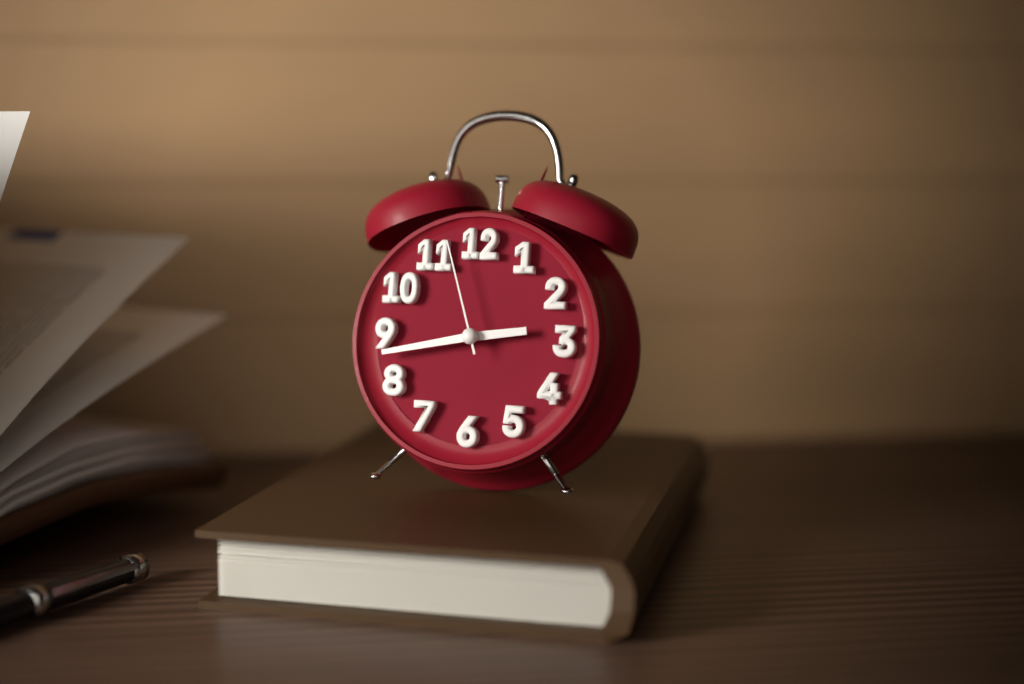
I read {"hour": 2, "minute": 43, "second": 57}
